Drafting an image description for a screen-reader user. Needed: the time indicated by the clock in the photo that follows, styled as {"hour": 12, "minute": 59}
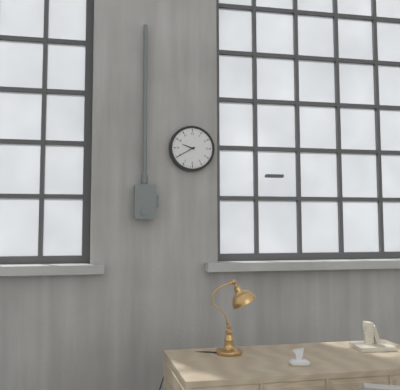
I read {"hour": 9, "minute": 40}
